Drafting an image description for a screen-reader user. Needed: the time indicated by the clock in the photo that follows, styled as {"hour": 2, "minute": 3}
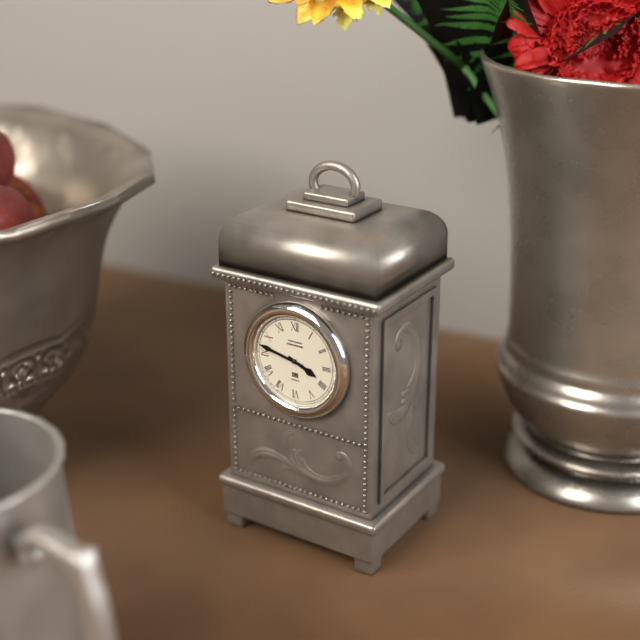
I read {"hour": 3, "minute": 47}
